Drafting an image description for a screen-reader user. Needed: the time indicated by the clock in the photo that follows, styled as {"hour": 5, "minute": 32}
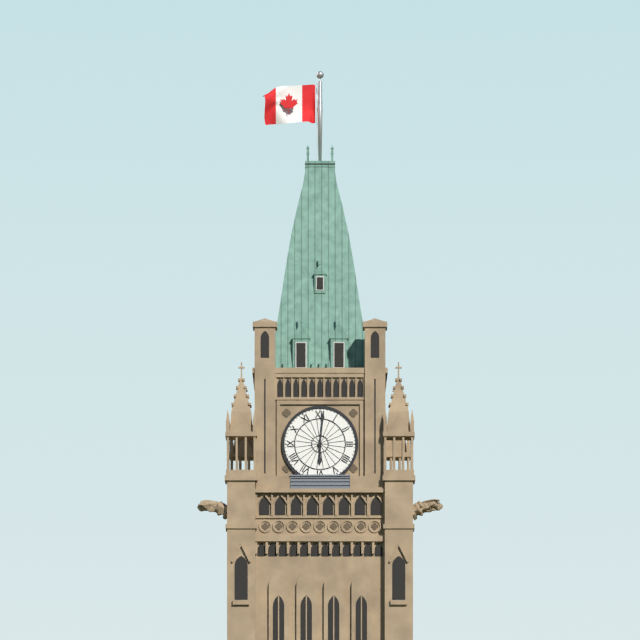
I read {"hour": 6, "minute": 1}
